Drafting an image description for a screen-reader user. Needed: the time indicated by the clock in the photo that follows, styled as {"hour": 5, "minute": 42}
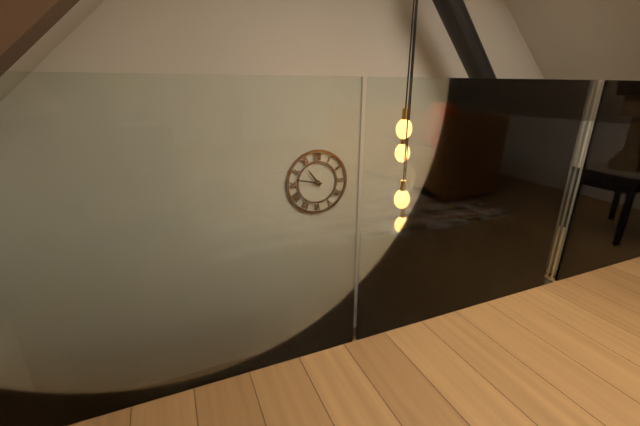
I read {"hour": 10, "minute": 47}
